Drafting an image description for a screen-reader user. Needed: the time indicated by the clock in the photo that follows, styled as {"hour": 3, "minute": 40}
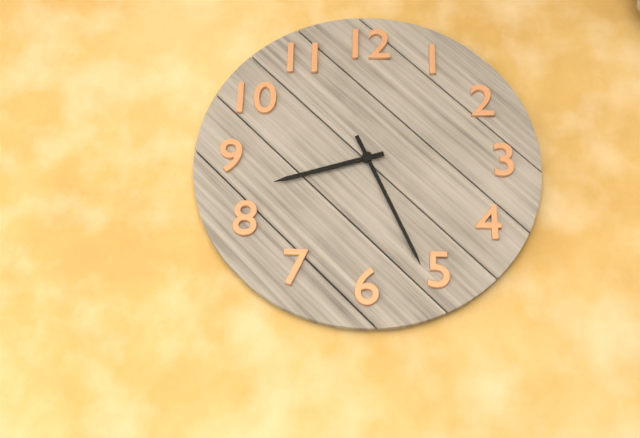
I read {"hour": 8, "minute": 26}
